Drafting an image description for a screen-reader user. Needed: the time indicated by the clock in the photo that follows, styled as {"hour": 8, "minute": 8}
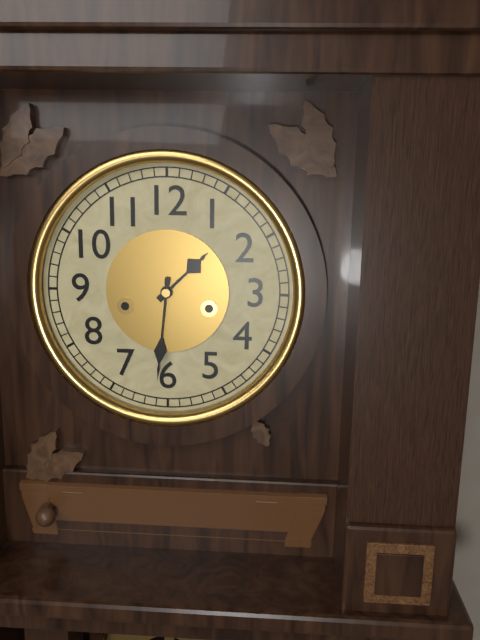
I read {"hour": 1, "minute": 31}
